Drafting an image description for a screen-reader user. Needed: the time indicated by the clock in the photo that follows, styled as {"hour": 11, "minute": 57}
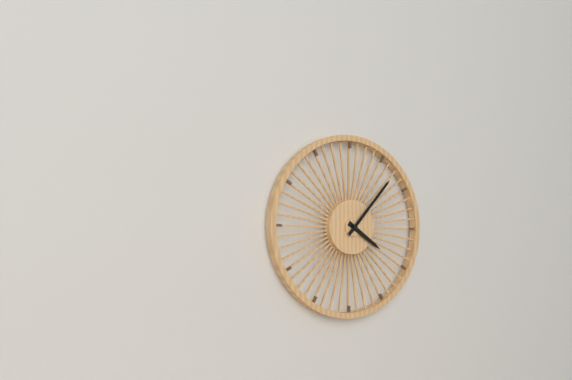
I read {"hour": 4, "minute": 7}
